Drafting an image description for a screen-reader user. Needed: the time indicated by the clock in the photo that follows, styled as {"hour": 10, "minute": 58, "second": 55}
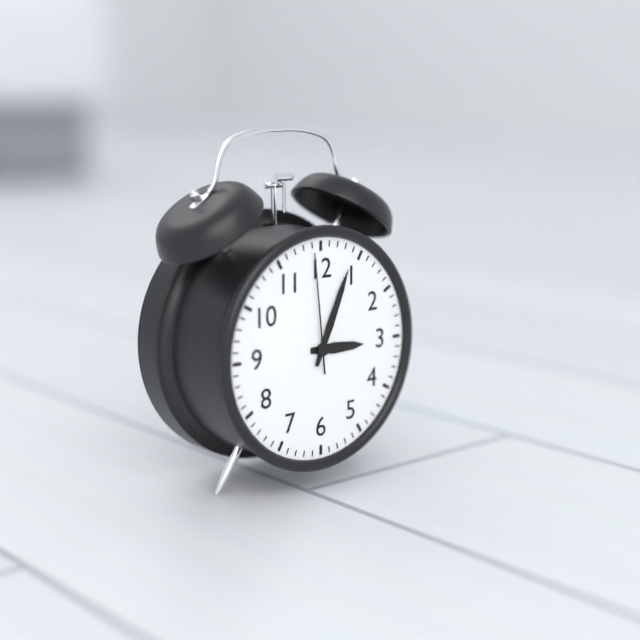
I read {"hour": 3, "minute": 4, "second": 59}
